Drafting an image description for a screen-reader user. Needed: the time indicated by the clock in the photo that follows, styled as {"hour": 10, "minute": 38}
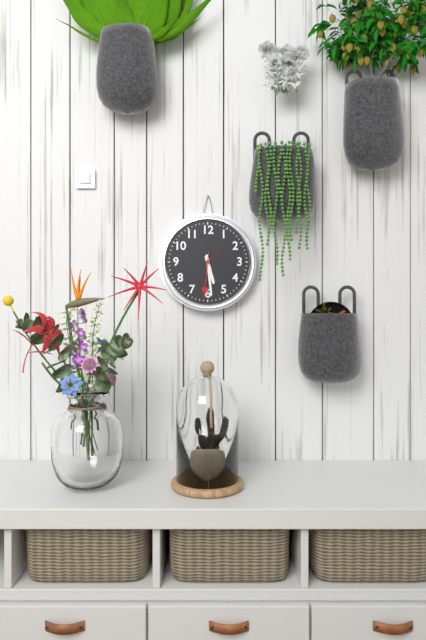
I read {"hour": 5, "minute": 29}
